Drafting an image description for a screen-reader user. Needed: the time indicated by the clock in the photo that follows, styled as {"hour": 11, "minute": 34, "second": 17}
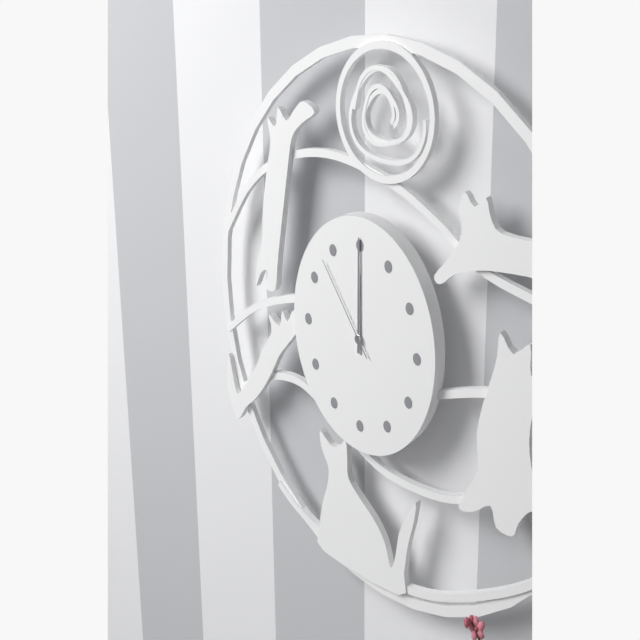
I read {"hour": 12, "minute": 0, "second": 53}
